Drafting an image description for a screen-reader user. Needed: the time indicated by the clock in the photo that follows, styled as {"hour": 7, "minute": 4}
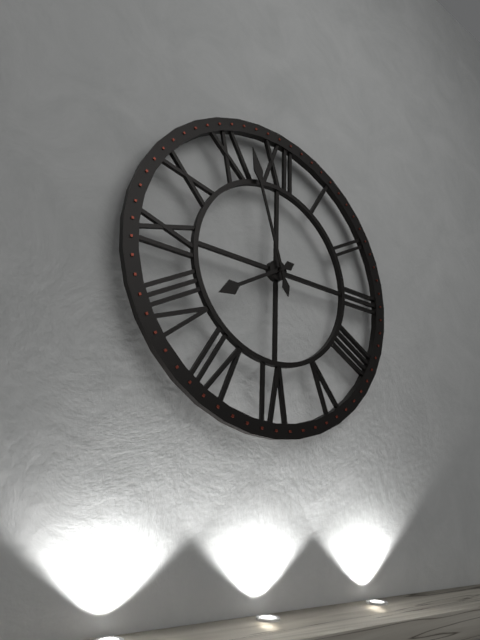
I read {"hour": 7, "minute": 57}
